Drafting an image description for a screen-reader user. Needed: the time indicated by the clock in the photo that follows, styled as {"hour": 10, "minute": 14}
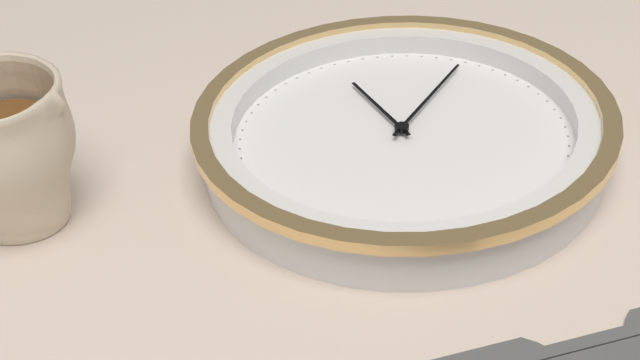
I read {"hour": 4, "minute": 32}
